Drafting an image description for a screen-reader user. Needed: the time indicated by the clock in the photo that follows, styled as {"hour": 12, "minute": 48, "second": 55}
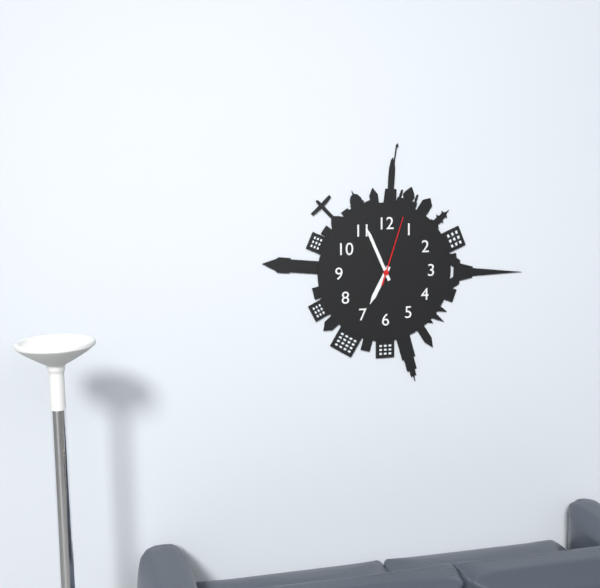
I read {"hour": 6, "minute": 56, "second": 3}
